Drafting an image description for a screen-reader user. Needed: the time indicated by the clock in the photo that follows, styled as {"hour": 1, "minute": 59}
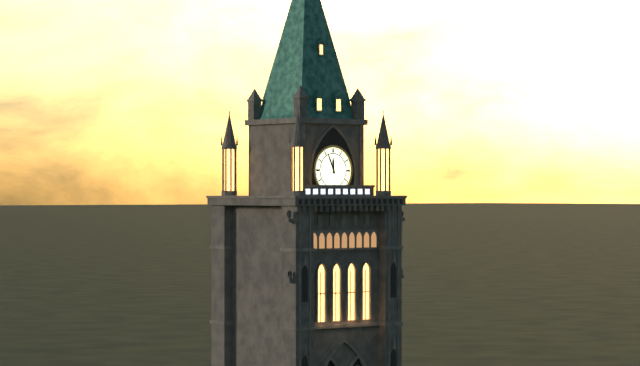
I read {"hour": 11, "minute": 56}
